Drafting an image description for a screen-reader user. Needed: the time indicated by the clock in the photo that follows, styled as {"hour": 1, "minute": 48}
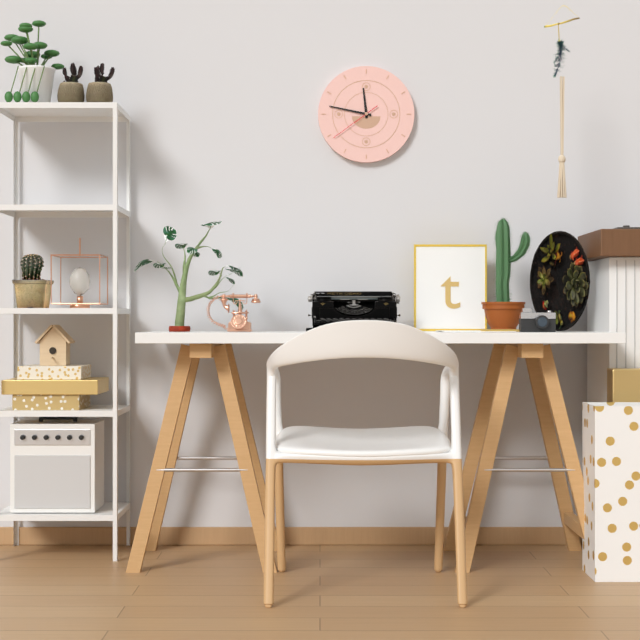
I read {"hour": 11, "minute": 47}
